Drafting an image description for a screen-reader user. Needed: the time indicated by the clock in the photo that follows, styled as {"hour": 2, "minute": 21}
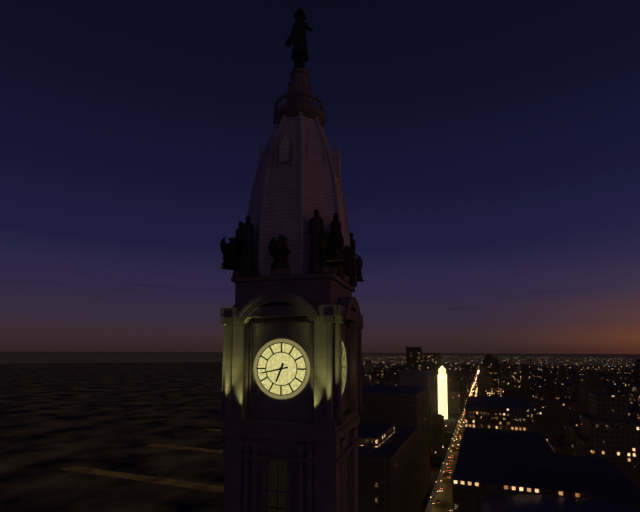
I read {"hour": 6, "minute": 43}
